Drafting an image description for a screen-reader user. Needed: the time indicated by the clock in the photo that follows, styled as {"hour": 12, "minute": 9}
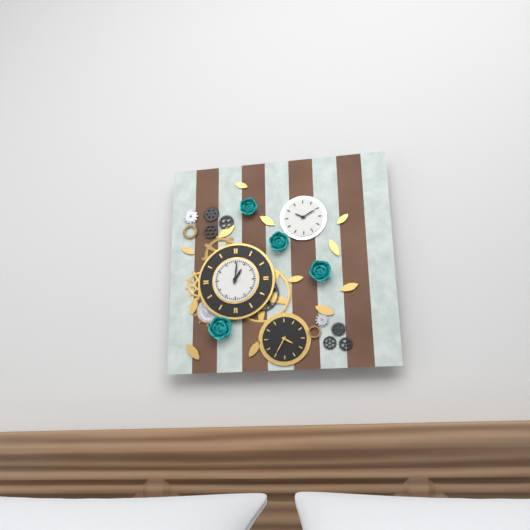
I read {"hour": 1, "minute": 1}
